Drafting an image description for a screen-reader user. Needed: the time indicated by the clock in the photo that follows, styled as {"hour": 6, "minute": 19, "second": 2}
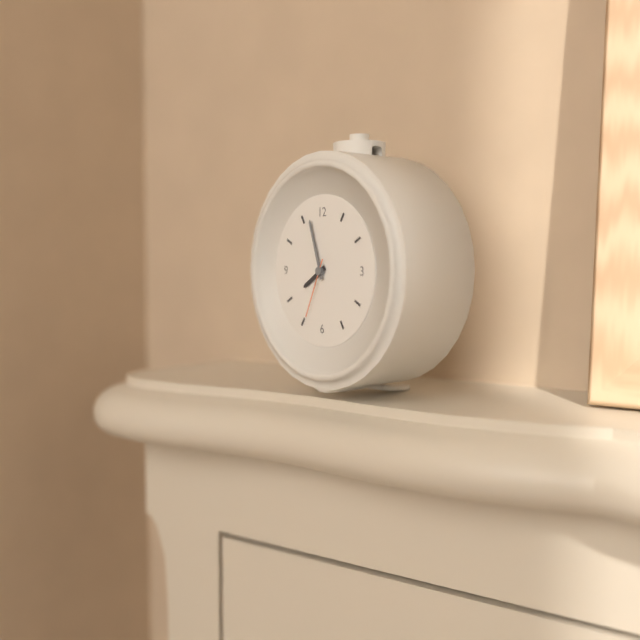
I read {"hour": 7, "minute": 57, "second": 34}
